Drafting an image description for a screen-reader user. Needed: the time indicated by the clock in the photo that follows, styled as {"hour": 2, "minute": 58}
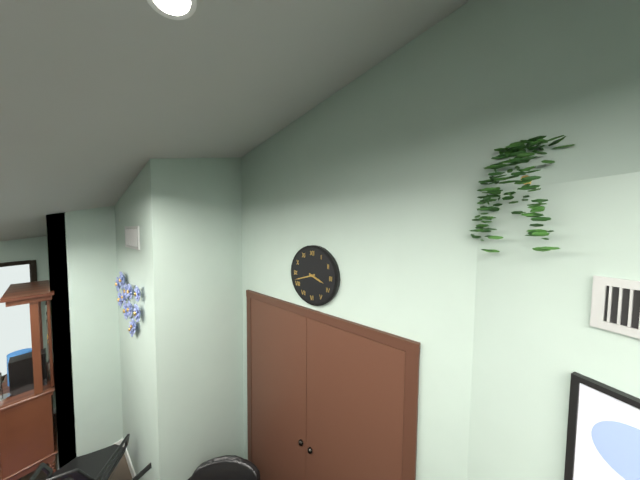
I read {"hour": 3, "minute": 42}
